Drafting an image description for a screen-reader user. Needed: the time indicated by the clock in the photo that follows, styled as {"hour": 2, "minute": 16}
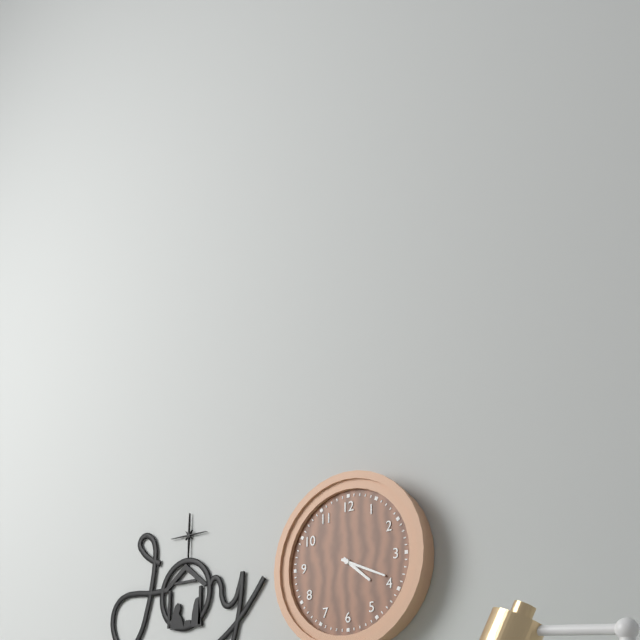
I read {"hour": 4, "minute": 19}
